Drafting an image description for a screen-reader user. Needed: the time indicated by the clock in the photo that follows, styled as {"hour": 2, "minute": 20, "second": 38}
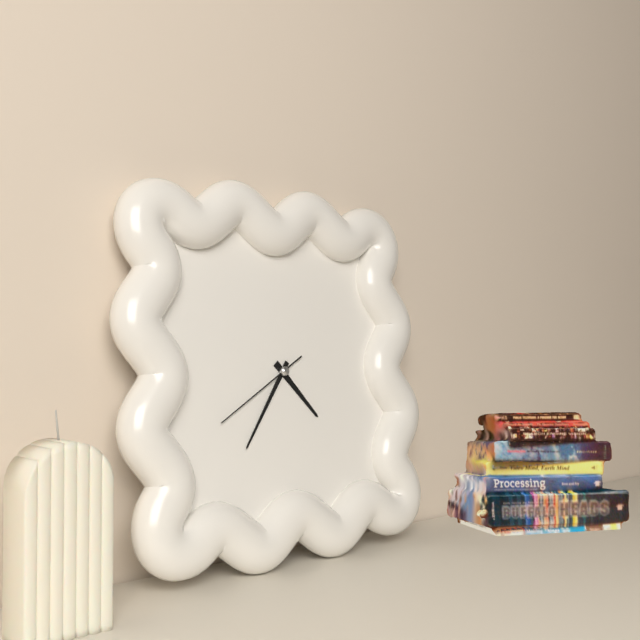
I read {"hour": 4, "minute": 36, "second": 40}
